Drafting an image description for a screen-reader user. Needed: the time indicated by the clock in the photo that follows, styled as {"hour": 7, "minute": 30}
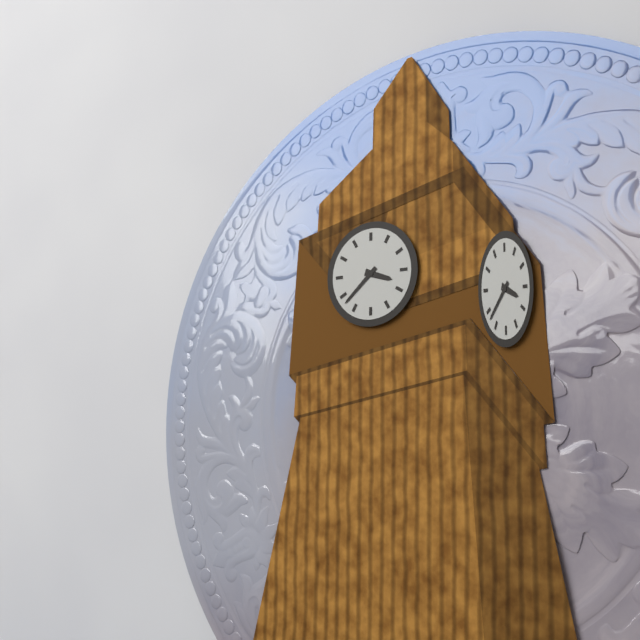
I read {"hour": 3, "minute": 38}
